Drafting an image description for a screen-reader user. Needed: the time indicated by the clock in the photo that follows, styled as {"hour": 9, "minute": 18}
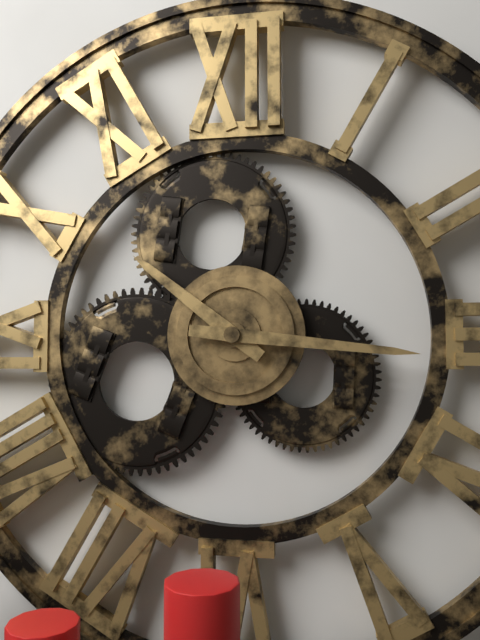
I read {"hour": 10, "minute": 16}
